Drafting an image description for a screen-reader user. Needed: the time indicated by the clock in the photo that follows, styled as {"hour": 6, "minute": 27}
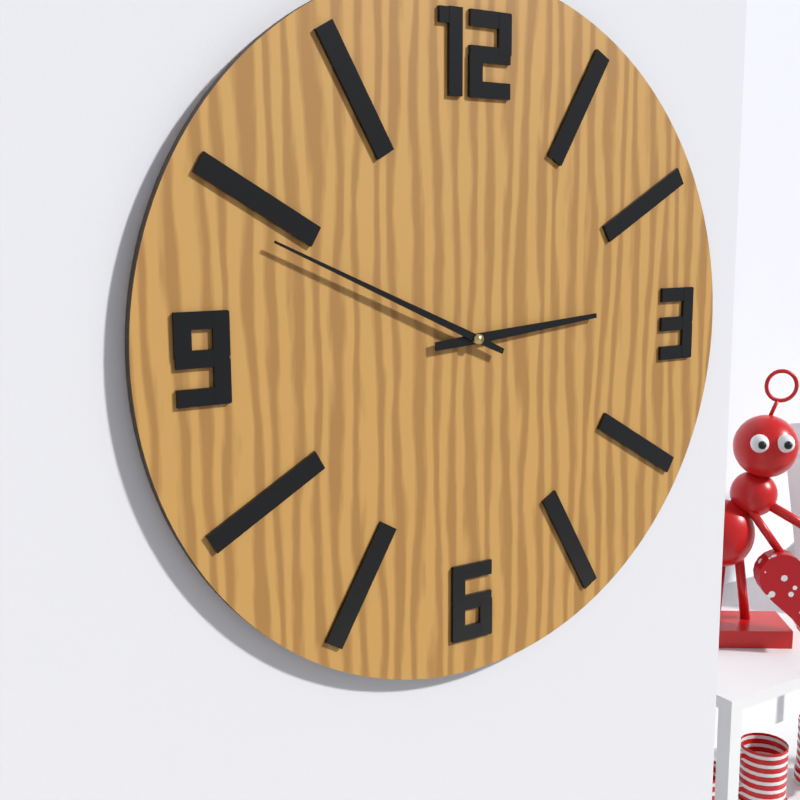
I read {"hour": 2, "minute": 49}
